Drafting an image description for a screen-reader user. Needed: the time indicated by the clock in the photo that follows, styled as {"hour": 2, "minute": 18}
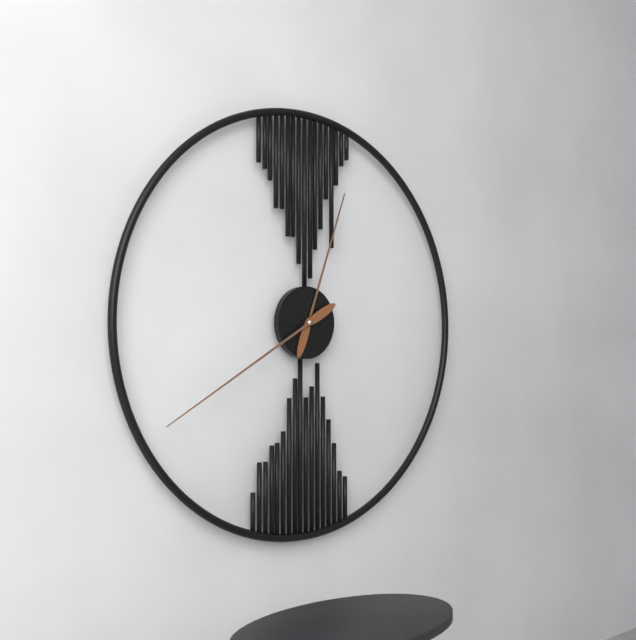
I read {"hour": 12, "minute": 40}
